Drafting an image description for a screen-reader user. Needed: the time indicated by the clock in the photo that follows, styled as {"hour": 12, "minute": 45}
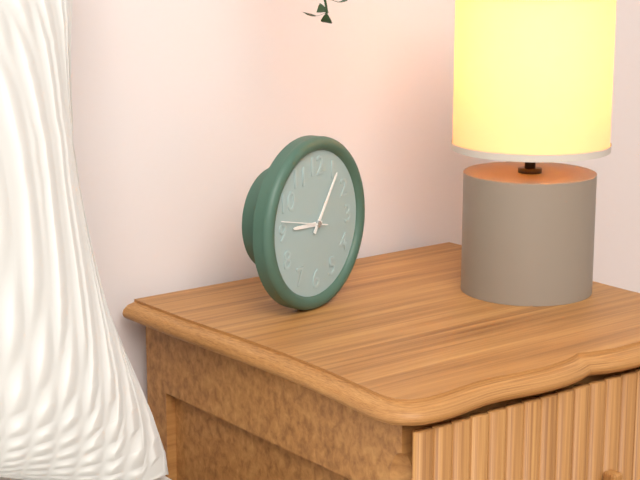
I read {"hour": 9, "minute": 6}
